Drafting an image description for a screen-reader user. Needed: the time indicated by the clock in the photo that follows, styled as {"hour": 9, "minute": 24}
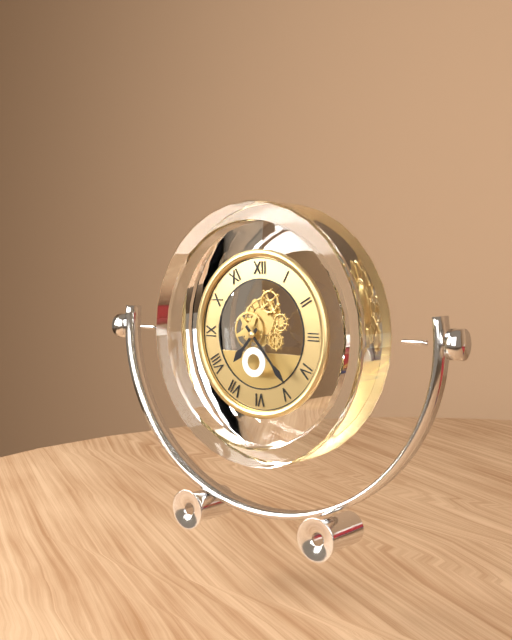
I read {"hour": 7, "minute": 23}
